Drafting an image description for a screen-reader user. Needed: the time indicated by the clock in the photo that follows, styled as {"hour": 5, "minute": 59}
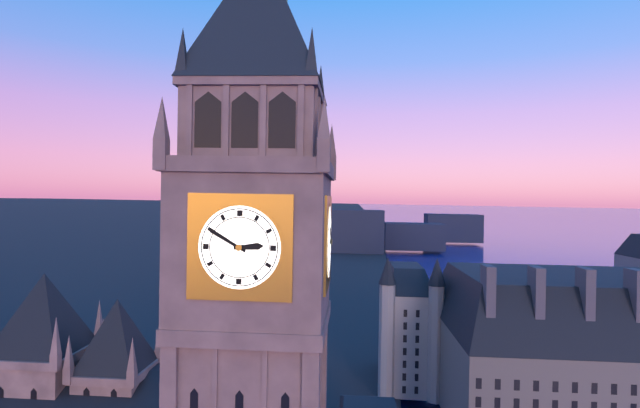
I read {"hour": 2, "minute": 50}
